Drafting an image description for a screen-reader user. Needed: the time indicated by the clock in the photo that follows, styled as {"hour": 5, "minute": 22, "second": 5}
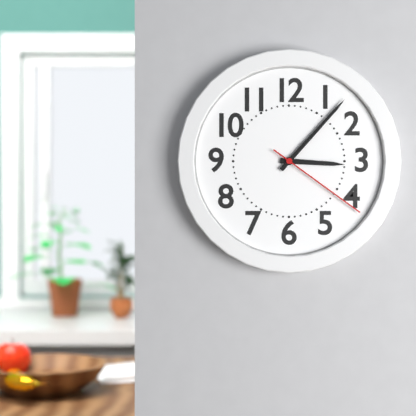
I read {"hour": 3, "minute": 7, "second": 21}
